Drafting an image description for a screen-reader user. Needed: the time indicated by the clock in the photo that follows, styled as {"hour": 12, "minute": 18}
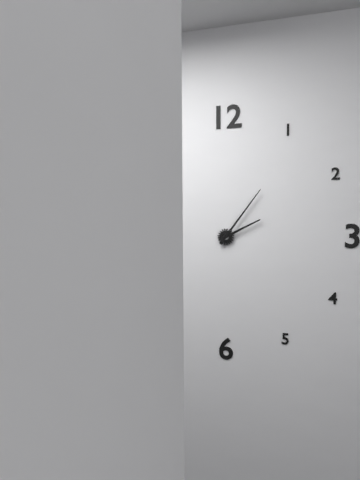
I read {"hour": 2, "minute": 6}
